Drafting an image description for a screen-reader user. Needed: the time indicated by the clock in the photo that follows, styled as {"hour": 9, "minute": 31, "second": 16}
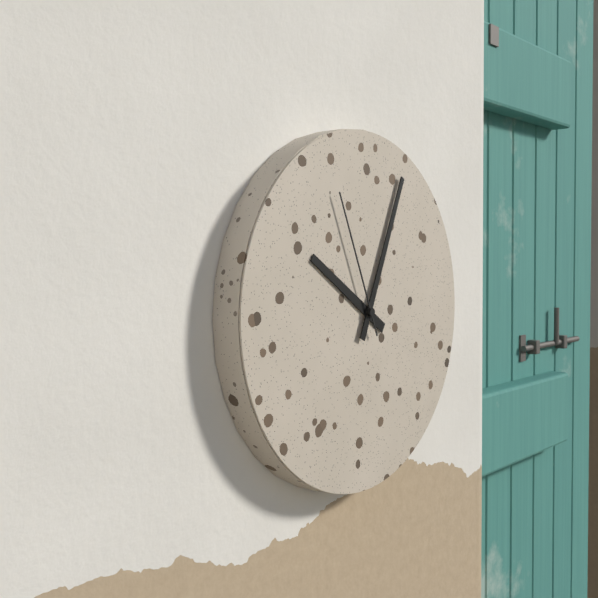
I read {"hour": 10, "minute": 4, "second": 56}
